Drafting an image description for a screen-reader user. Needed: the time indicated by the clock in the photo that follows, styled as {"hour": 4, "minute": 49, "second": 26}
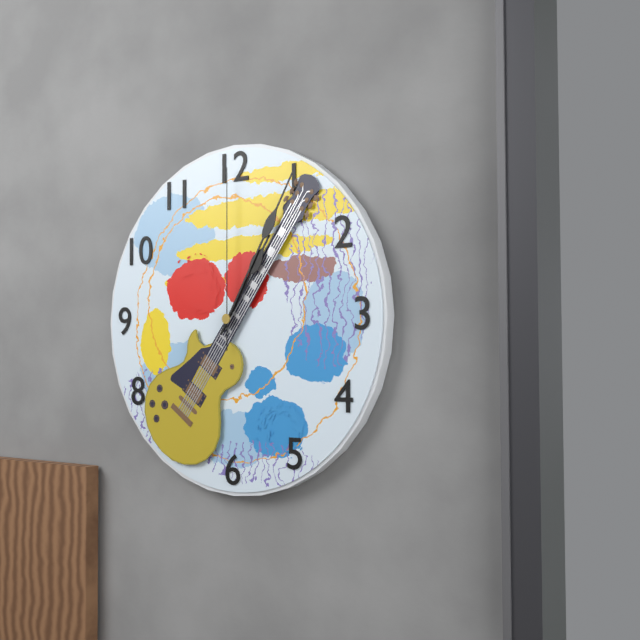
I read {"hour": 1, "minute": 5, "second": 0}
